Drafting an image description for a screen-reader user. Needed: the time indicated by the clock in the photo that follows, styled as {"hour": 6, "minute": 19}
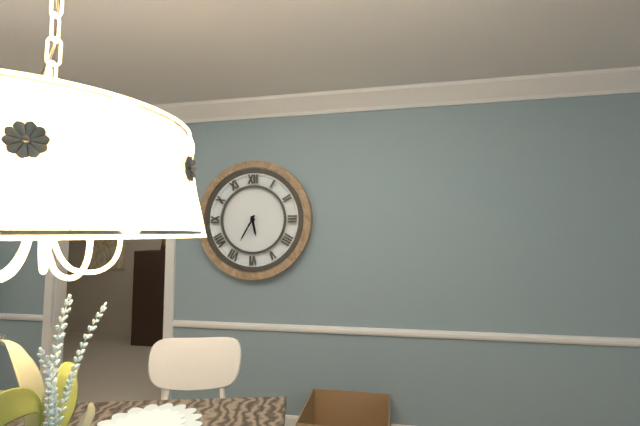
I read {"hour": 5, "minute": 35}
